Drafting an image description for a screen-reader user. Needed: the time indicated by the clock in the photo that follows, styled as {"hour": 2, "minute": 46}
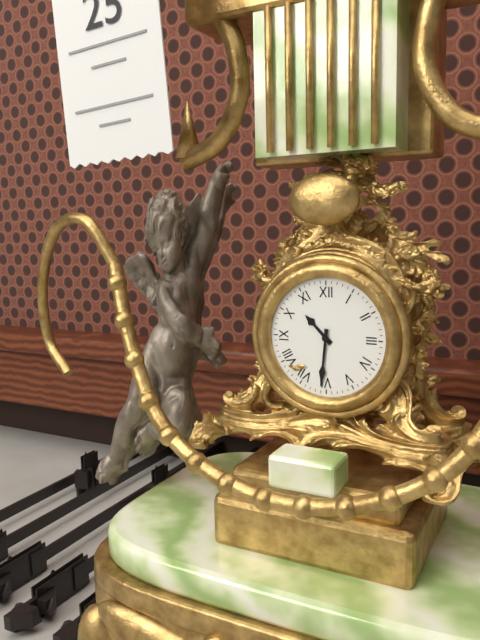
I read {"hour": 10, "minute": 31}
